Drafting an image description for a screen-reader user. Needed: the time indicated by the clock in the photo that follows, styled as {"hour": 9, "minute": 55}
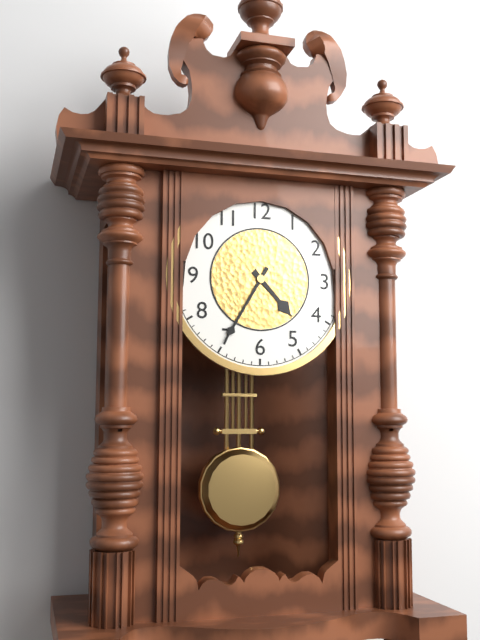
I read {"hour": 4, "minute": 35}
